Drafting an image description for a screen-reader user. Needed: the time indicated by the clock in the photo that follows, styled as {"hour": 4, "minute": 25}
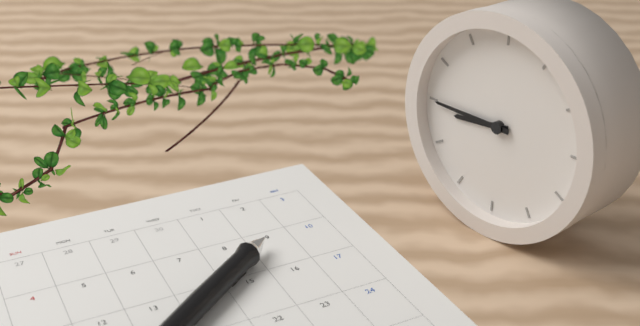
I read {"hour": 8, "minute": 45}
